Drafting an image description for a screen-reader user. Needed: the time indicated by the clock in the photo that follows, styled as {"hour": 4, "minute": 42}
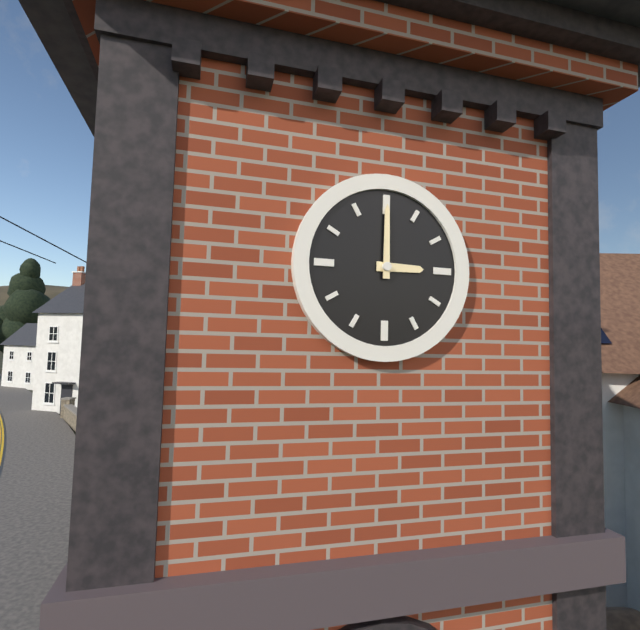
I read {"hour": 3, "minute": 0}
